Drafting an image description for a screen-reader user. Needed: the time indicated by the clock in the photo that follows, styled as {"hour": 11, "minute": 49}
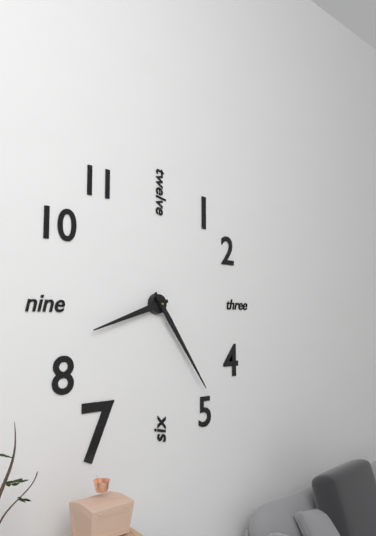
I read {"hour": 8, "minute": 24}
